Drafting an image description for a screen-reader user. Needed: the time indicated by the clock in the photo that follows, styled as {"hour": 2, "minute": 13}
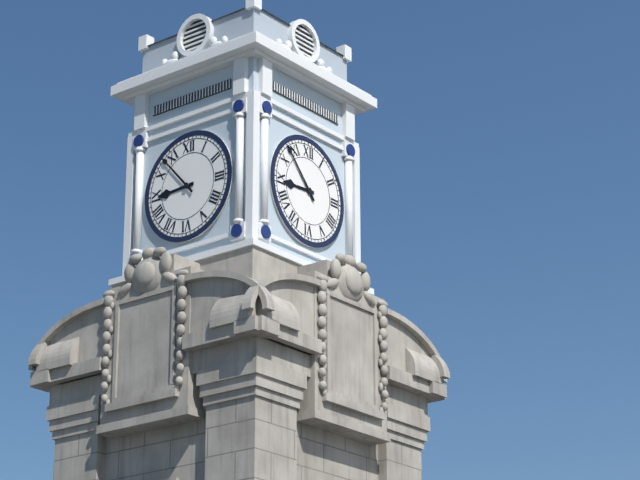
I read {"hour": 8, "minute": 53}
